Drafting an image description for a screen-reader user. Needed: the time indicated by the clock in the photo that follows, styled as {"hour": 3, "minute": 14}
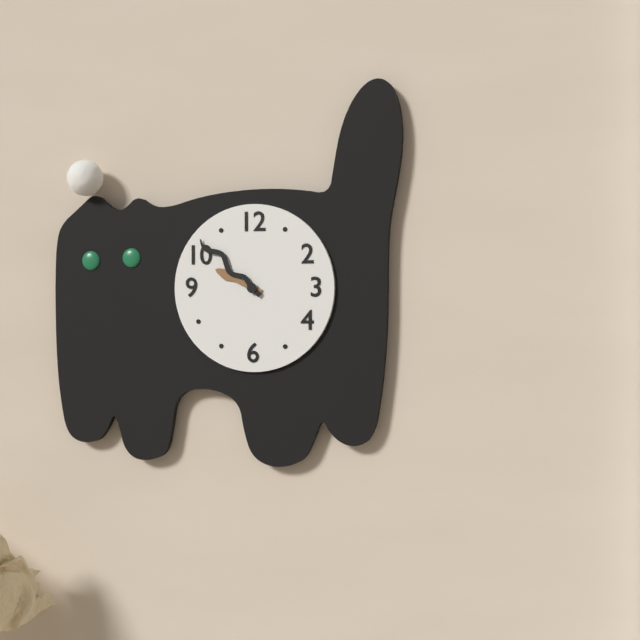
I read {"hour": 9, "minute": 52}
